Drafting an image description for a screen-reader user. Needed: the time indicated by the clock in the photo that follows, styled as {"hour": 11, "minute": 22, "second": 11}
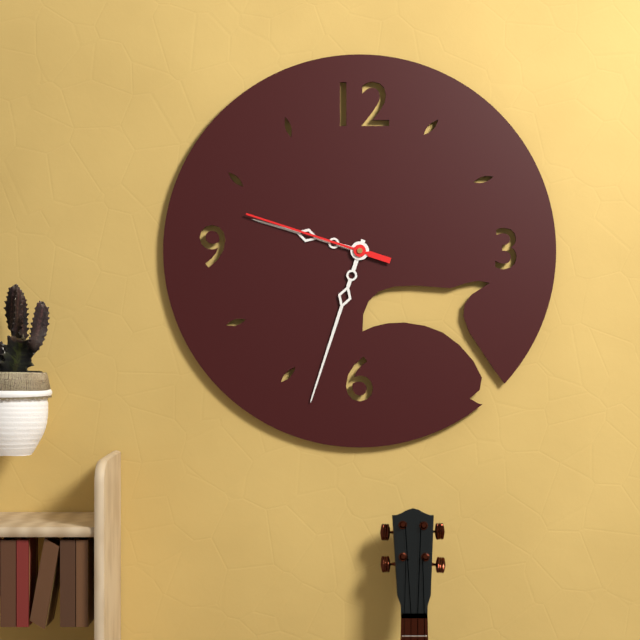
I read {"hour": 9, "minute": 33, "second": 48}
